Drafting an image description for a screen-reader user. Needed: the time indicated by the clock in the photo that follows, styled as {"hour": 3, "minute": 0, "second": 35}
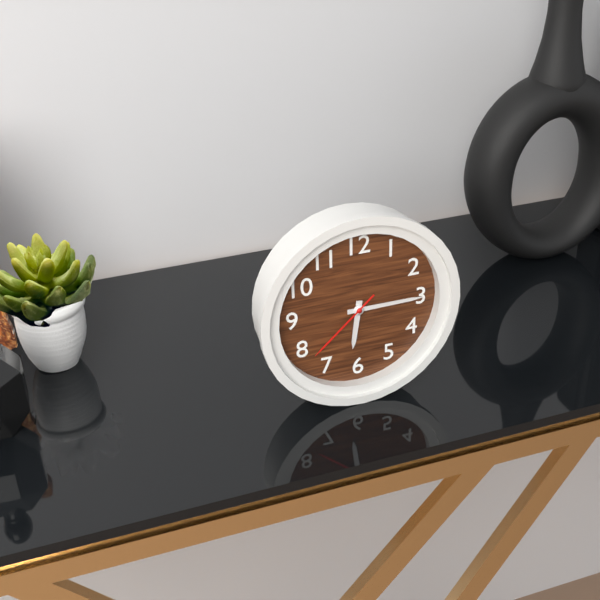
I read {"hour": 6, "minute": 15, "second": 38}
